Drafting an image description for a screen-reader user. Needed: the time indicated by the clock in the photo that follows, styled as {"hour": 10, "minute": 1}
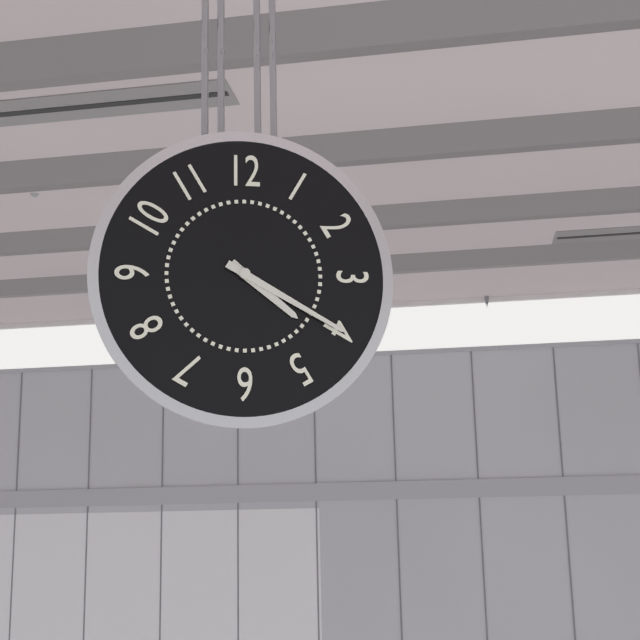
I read {"hour": 4, "minute": 20}
